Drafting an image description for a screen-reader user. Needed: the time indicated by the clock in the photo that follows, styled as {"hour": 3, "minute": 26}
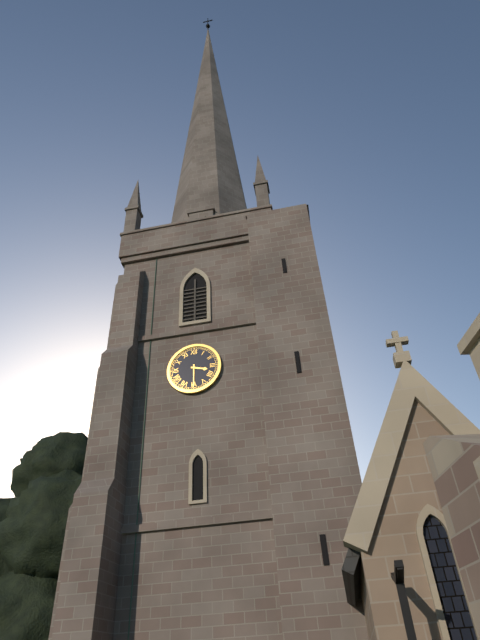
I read {"hour": 3, "minute": 30}
